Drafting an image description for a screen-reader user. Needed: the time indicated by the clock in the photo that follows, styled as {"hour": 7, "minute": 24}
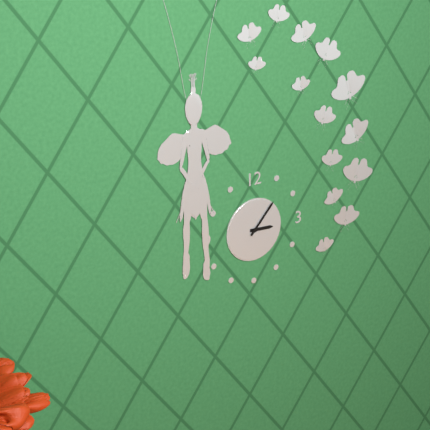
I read {"hour": 3, "minute": 7}
